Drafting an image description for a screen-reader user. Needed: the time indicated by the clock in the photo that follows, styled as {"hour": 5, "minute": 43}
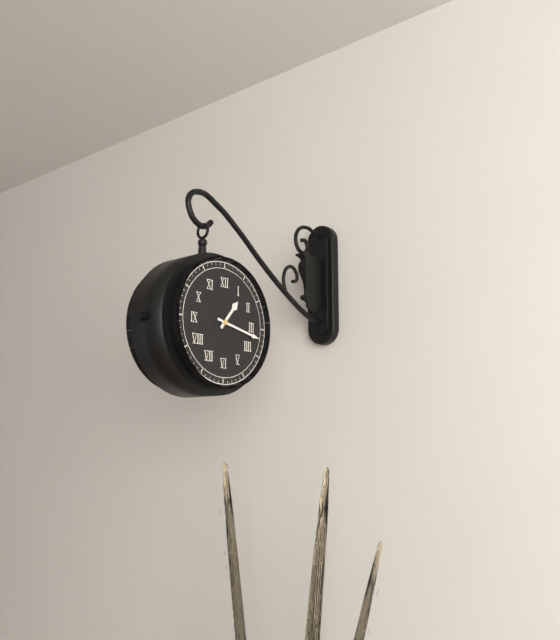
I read {"hour": 1, "minute": 17}
